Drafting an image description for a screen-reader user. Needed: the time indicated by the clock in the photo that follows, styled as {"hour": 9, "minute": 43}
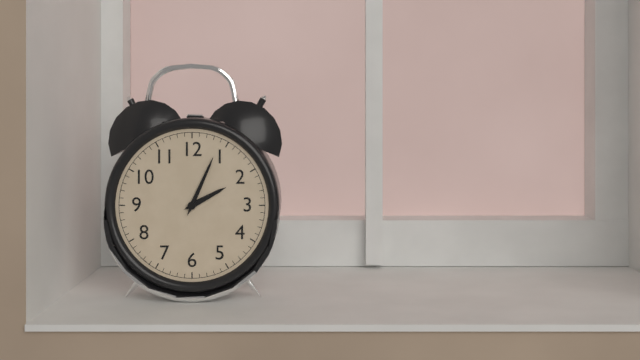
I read {"hour": 2, "minute": 4}
